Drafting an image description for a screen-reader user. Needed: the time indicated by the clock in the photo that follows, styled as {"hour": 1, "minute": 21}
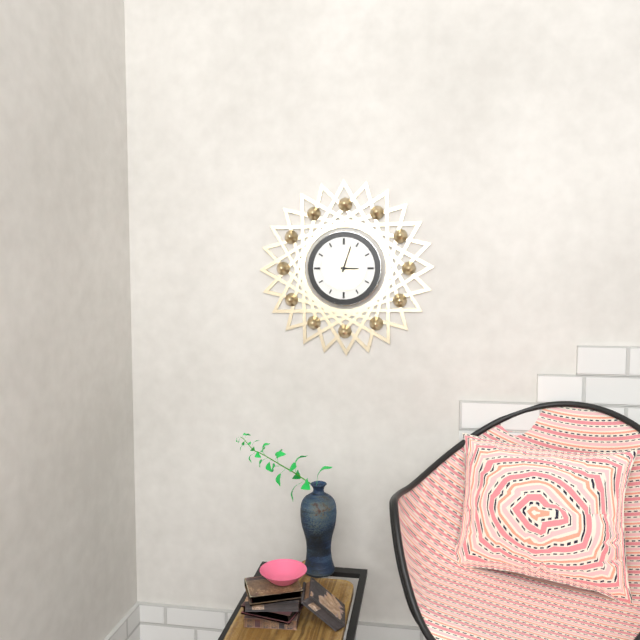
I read {"hour": 3, "minute": 3}
